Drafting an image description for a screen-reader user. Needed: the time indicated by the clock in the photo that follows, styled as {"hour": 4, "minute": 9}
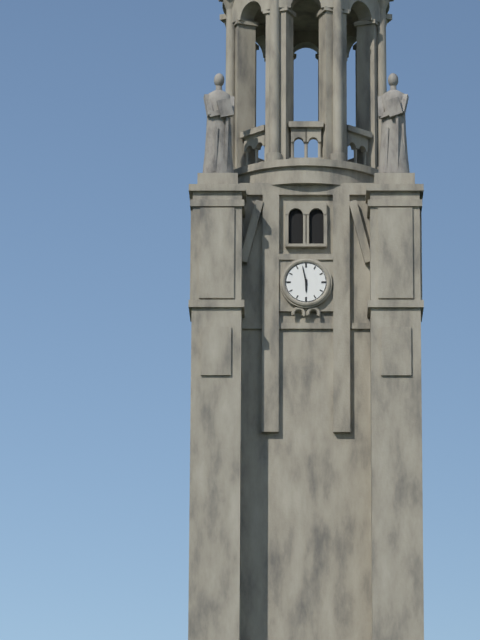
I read {"hour": 5, "minute": 58}
